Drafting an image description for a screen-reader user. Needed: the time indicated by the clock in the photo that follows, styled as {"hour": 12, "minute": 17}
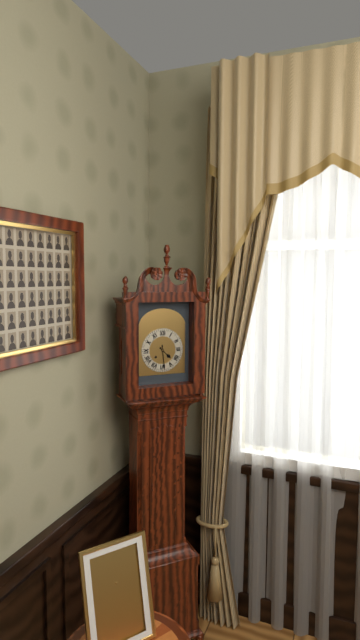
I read {"hour": 4, "minute": 29}
